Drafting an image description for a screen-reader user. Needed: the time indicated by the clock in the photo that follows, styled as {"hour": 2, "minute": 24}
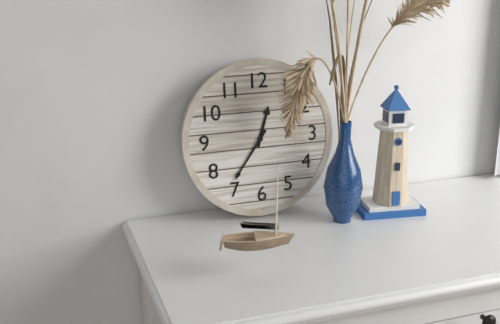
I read {"hour": 12, "minute": 36}
